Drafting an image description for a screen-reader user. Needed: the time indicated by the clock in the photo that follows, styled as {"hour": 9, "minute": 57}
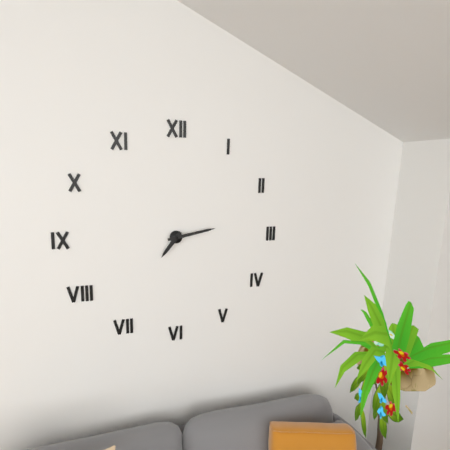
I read {"hour": 7, "minute": 13}
